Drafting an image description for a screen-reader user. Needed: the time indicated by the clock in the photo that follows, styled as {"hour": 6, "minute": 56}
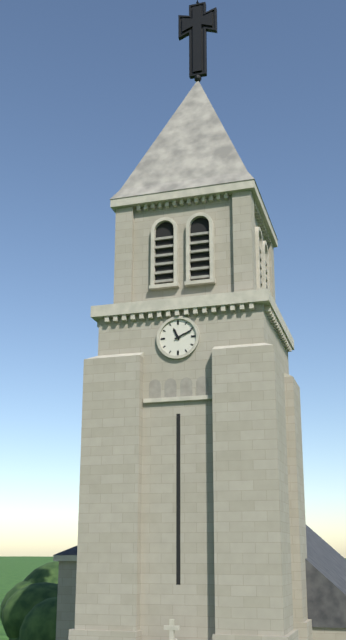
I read {"hour": 11, "minute": 11}
